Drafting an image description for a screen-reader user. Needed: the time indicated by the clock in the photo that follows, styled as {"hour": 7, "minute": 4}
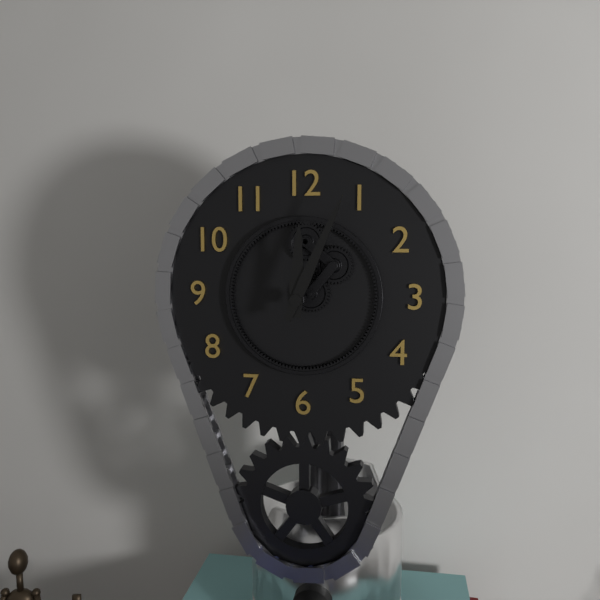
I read {"hour": 12, "minute": 4}
